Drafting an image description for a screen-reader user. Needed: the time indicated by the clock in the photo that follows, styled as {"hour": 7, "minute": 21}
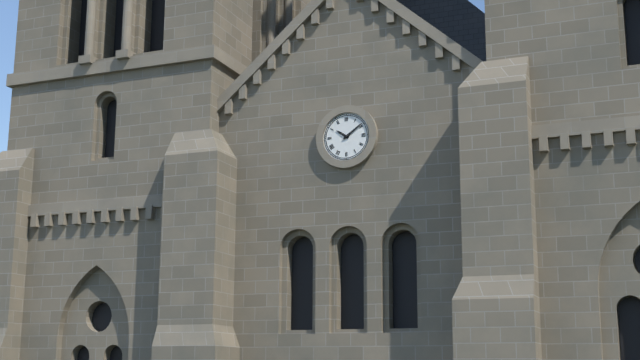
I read {"hour": 10, "minute": 9}
